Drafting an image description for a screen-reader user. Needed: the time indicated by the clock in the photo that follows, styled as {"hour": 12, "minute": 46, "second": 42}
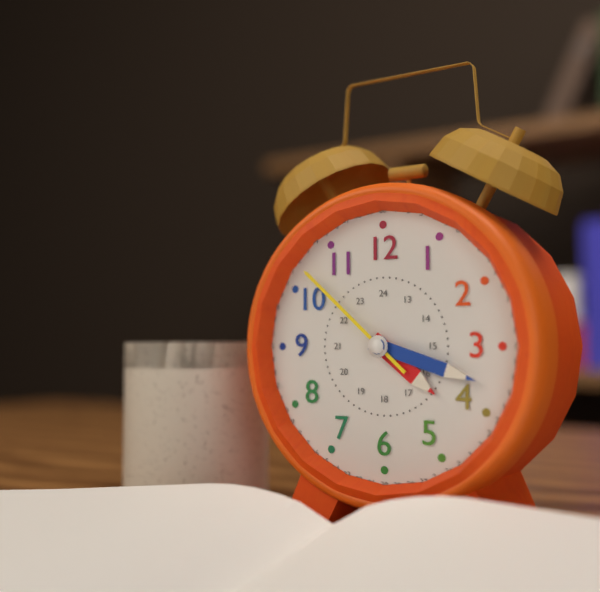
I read {"hour": 4, "minute": 18, "second": 52}
